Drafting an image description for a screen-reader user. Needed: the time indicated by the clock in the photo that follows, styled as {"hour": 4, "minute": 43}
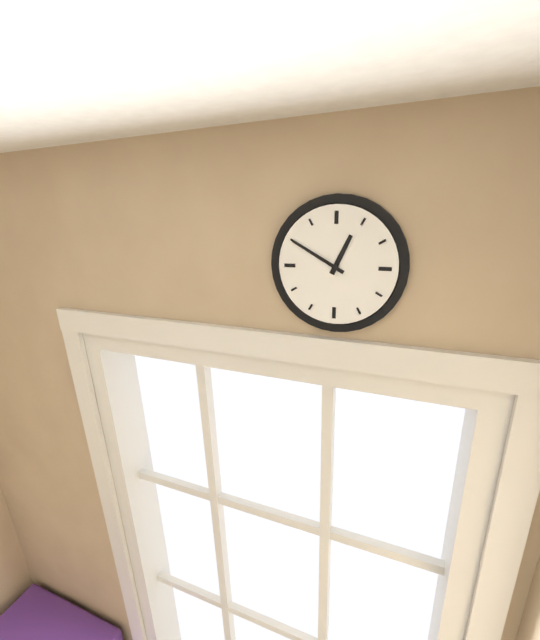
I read {"hour": 12, "minute": 50}
